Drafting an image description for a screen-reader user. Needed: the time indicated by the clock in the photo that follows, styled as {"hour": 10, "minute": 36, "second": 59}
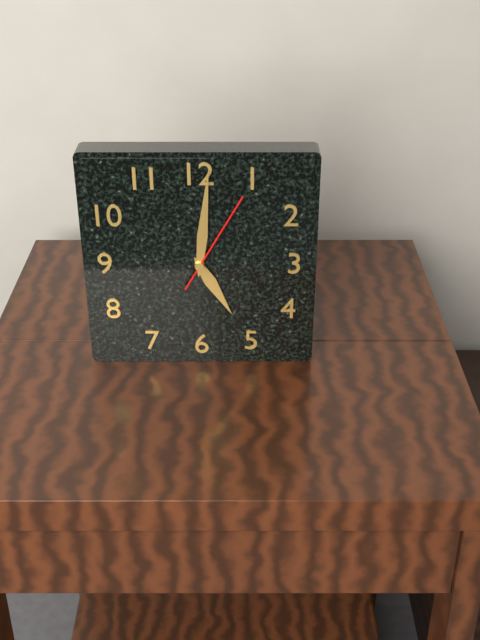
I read {"hour": 5, "minute": 1, "second": 5}
